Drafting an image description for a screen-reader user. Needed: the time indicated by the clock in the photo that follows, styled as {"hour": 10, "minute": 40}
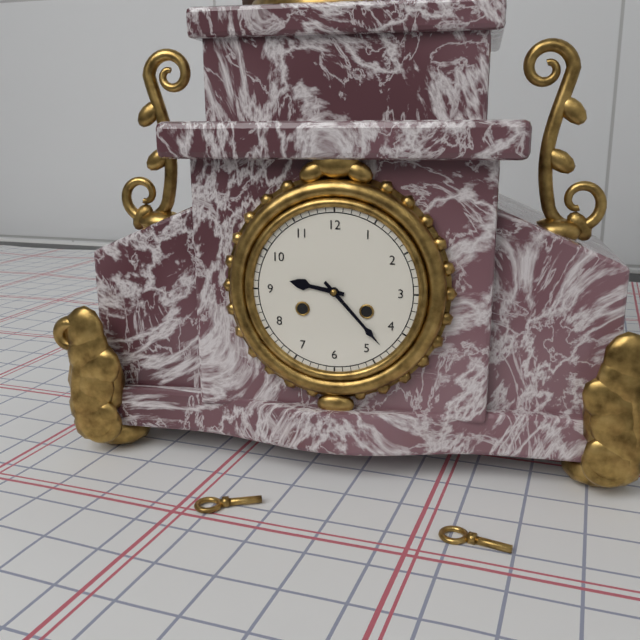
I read {"hour": 9, "minute": 23}
